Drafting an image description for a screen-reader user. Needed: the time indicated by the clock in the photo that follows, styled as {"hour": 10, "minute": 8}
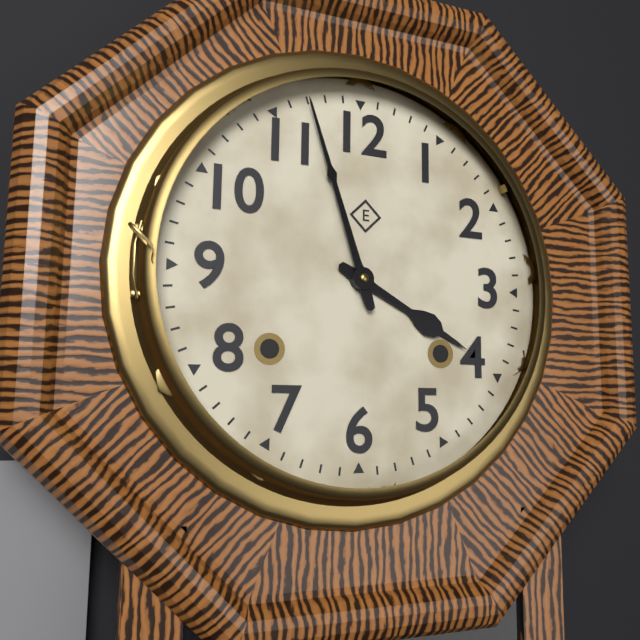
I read {"hour": 3, "minute": 57}
